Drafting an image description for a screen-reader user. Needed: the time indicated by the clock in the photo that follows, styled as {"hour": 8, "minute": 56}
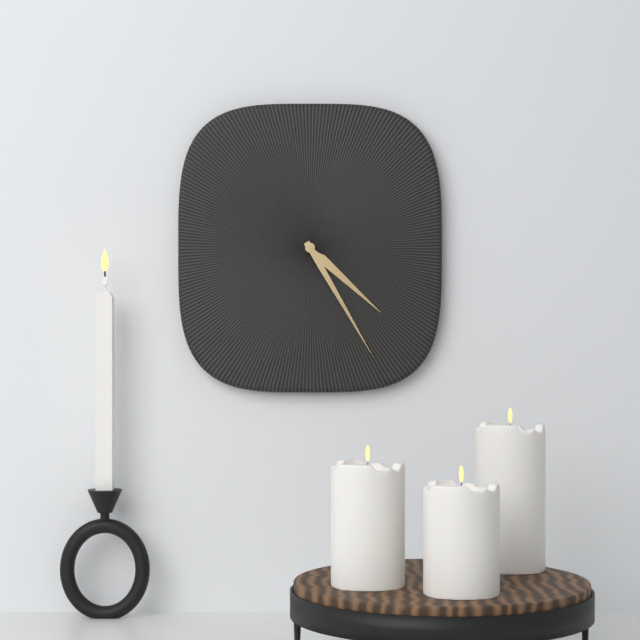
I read {"hour": 4, "minute": 25}
